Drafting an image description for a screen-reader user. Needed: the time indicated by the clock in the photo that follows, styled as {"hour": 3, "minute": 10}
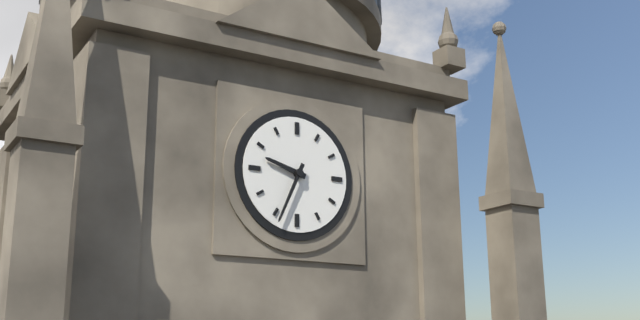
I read {"hour": 9, "minute": 34}
